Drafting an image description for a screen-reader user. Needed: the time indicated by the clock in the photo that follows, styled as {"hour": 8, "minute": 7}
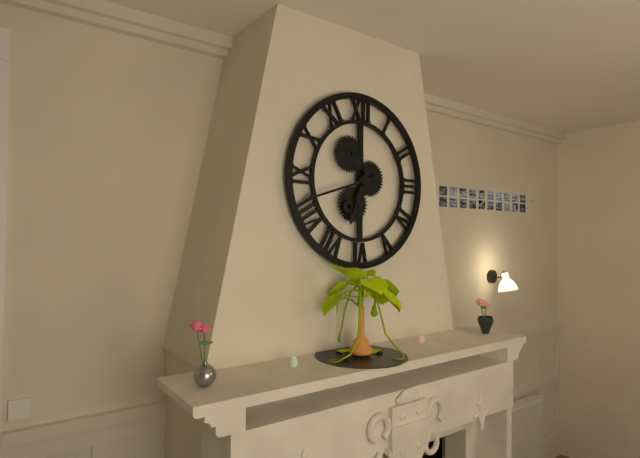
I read {"hour": 6, "minute": 42}
